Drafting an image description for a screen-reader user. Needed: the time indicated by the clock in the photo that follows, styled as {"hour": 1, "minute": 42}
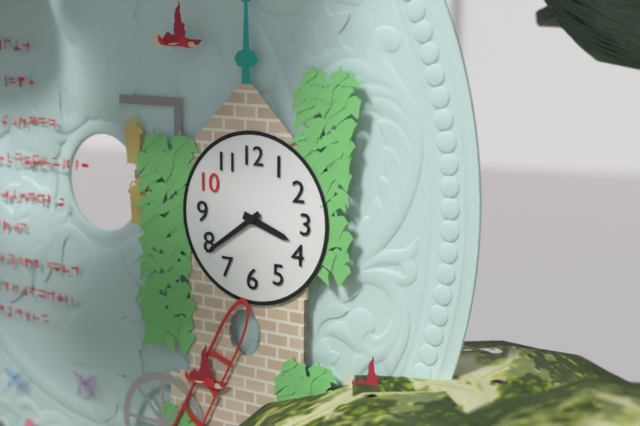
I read {"hour": 3, "minute": 39}
